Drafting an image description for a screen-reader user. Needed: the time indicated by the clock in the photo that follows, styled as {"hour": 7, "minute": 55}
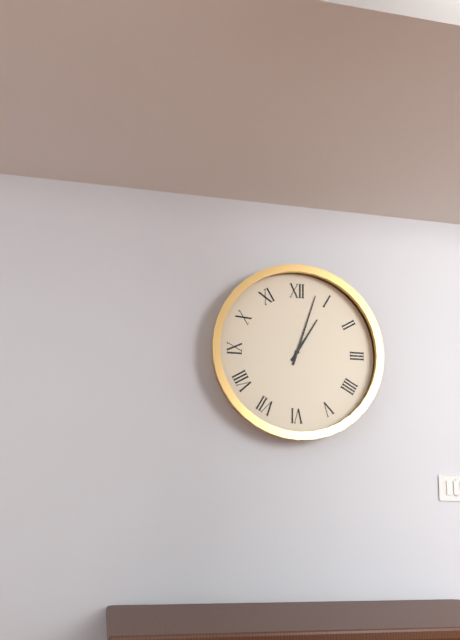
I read {"hour": 1, "minute": 3}
